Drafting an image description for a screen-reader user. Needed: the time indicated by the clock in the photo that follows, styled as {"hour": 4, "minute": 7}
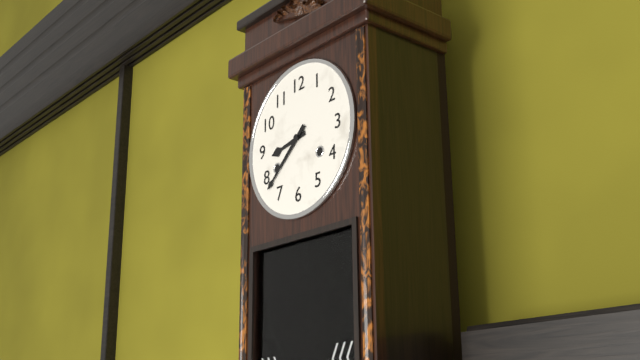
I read {"hour": 8, "minute": 38}
